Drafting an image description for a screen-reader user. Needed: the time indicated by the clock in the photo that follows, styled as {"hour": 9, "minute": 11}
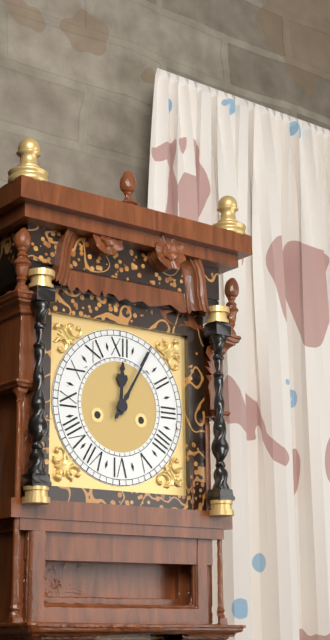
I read {"hour": 12, "minute": 5}
